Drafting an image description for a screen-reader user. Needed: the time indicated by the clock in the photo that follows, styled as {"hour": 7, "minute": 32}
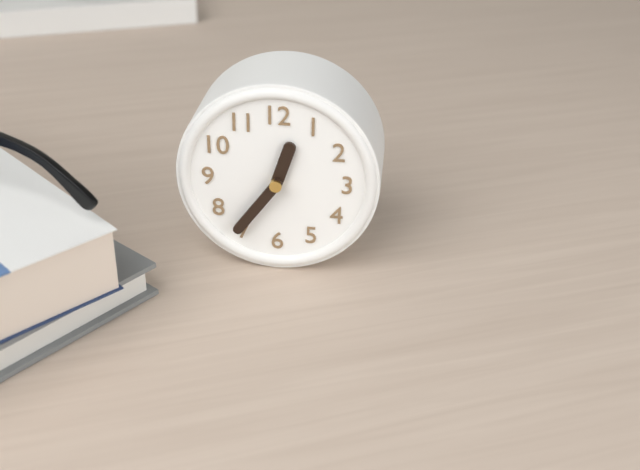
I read {"hour": 12, "minute": 36}
